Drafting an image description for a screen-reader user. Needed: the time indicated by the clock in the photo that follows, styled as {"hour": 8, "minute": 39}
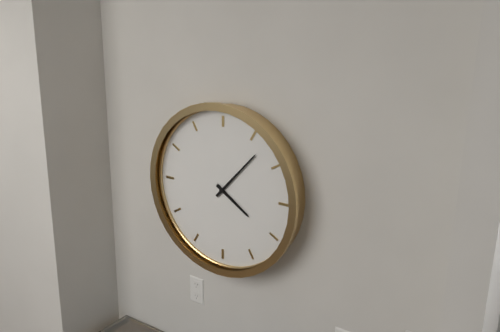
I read {"hour": 4, "minute": 7}
